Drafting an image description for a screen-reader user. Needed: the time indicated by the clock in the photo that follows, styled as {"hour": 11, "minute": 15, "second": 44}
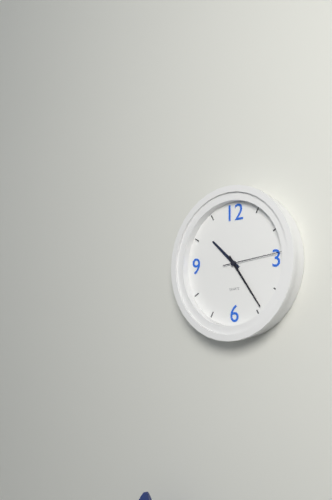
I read {"hour": 10, "minute": 24, "second": 14}
